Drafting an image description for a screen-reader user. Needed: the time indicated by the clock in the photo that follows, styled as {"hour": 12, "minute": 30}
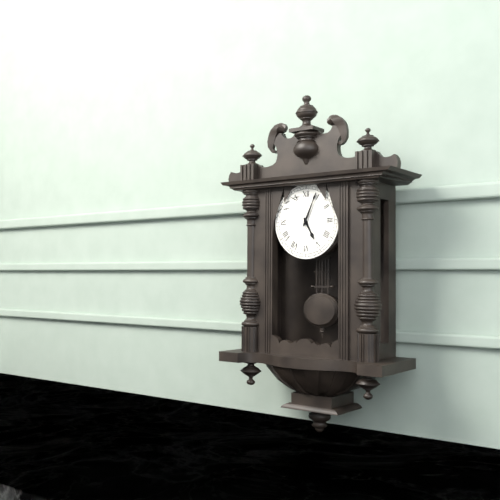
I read {"hour": 5, "minute": 4}
